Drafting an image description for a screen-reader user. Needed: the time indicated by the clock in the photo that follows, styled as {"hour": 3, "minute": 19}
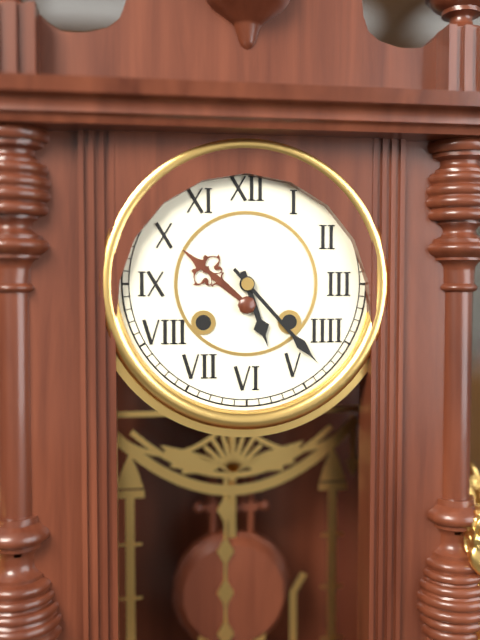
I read {"hour": 5, "minute": 23}
